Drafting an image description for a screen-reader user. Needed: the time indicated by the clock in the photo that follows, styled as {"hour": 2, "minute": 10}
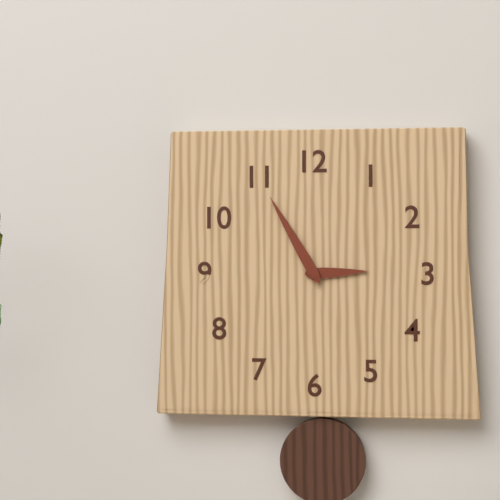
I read {"hour": 2, "minute": 55}
